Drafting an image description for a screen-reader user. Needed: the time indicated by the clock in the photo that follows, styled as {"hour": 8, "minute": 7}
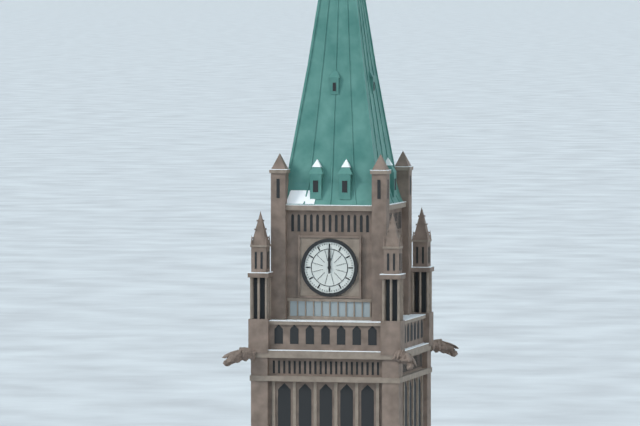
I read {"hour": 12, "minute": 0}
